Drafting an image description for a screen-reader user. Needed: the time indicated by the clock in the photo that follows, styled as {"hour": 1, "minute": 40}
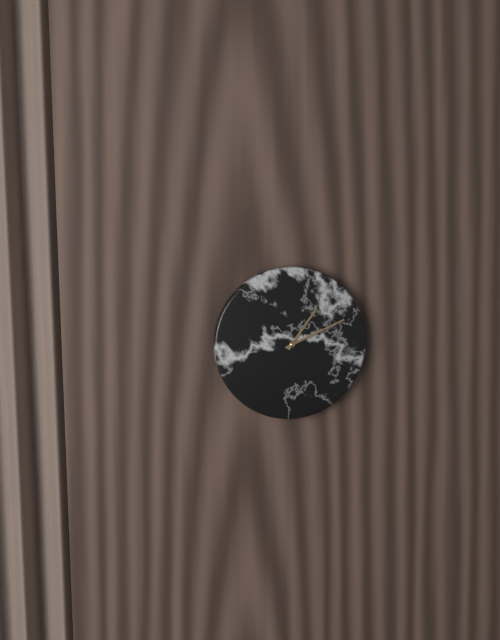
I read {"hour": 1, "minute": 11}
